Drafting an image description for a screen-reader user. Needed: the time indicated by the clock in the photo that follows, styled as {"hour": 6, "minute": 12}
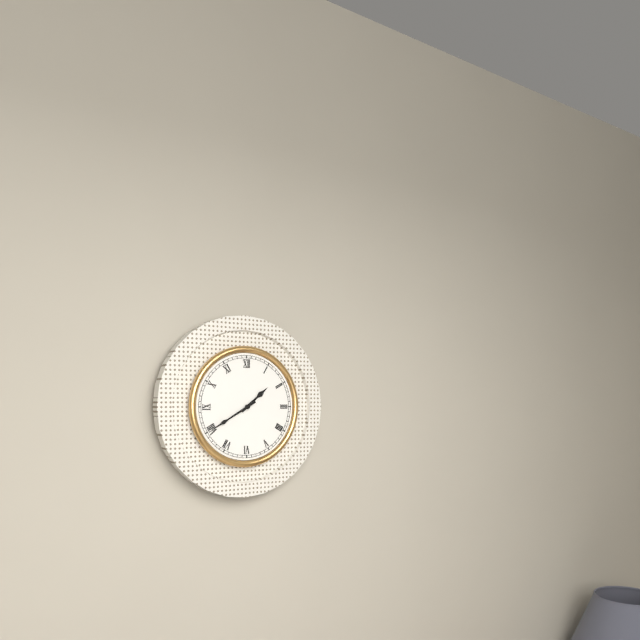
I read {"hour": 1, "minute": 40}
